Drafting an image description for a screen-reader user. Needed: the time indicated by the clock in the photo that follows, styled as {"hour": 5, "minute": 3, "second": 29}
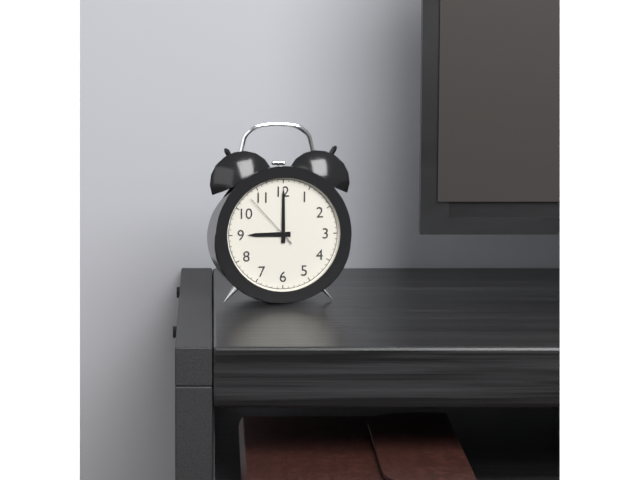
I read {"hour": 9, "minute": 0, "second": 53}
